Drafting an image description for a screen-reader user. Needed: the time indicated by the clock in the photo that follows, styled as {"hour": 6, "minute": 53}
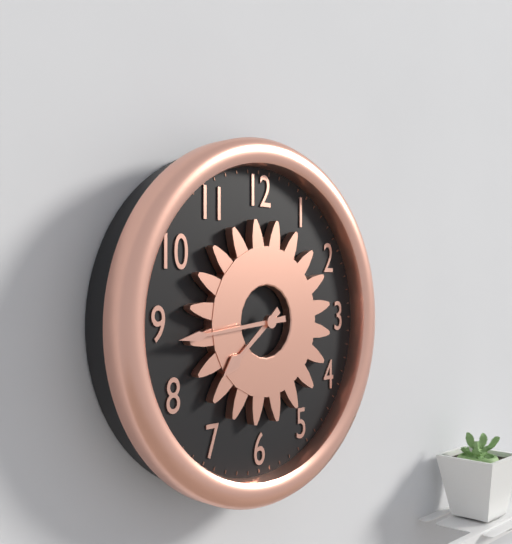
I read {"hour": 7, "minute": 44}
